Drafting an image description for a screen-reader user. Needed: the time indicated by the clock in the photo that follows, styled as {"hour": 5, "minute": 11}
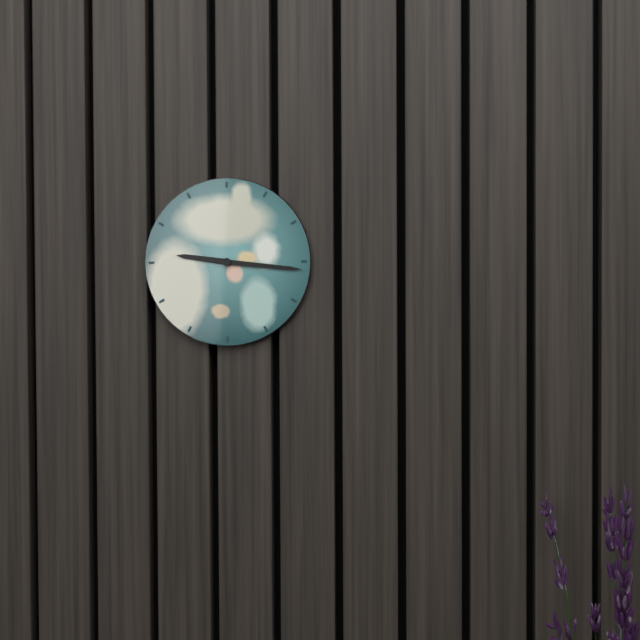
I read {"hour": 9, "minute": 16}
